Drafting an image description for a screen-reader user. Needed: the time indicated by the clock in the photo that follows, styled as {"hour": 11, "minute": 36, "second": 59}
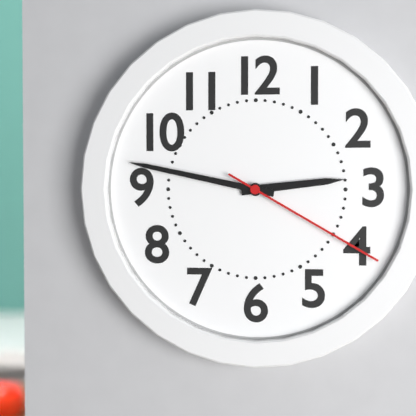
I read {"hour": 2, "minute": 47, "second": 20}
